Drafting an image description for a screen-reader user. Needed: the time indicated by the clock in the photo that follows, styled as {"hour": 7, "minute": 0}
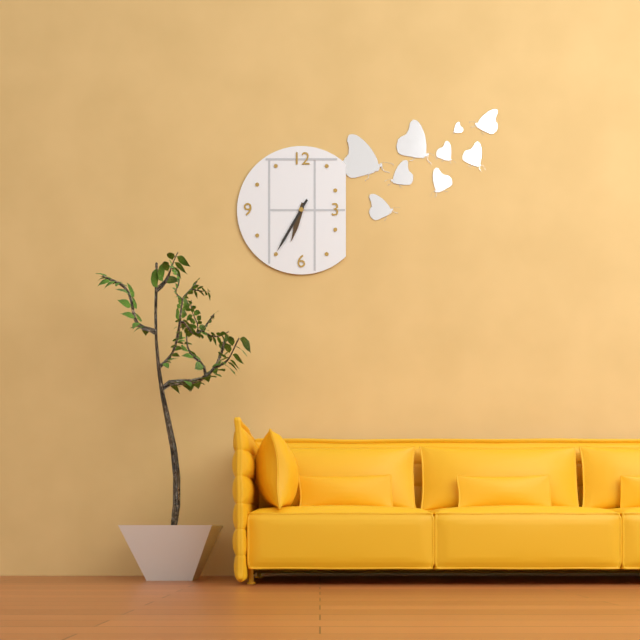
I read {"hour": 6, "minute": 35}
